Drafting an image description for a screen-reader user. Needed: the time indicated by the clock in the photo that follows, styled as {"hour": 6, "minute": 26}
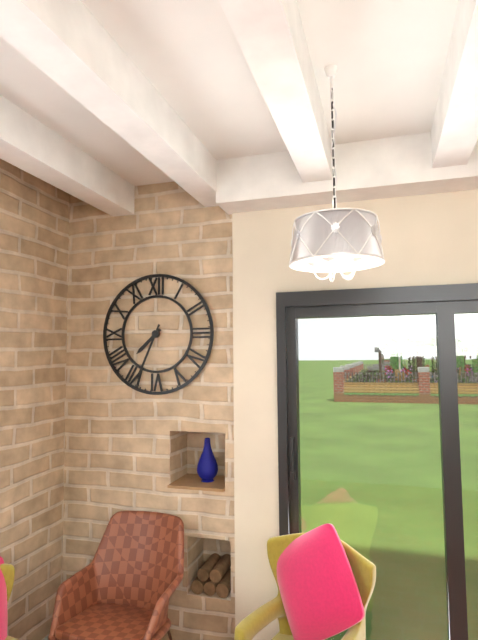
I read {"hour": 7, "minute": 34}
